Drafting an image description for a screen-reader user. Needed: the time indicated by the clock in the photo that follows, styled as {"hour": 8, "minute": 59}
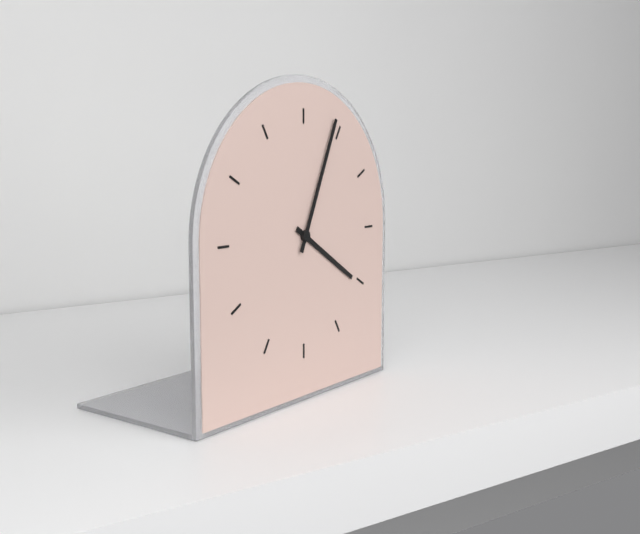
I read {"hour": 4, "minute": 4}
